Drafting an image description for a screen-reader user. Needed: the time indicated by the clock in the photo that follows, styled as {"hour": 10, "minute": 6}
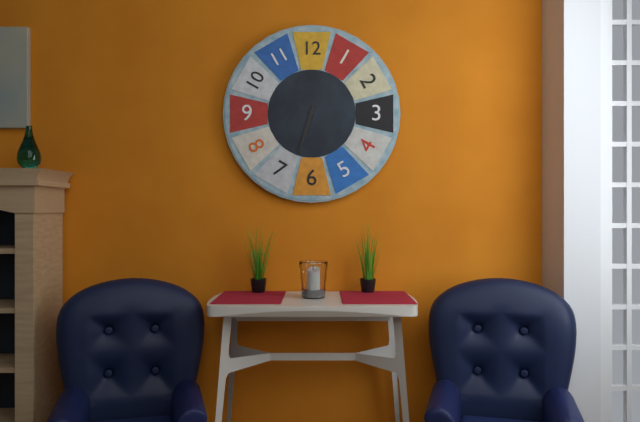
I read {"hour": 6, "minute": 33}
